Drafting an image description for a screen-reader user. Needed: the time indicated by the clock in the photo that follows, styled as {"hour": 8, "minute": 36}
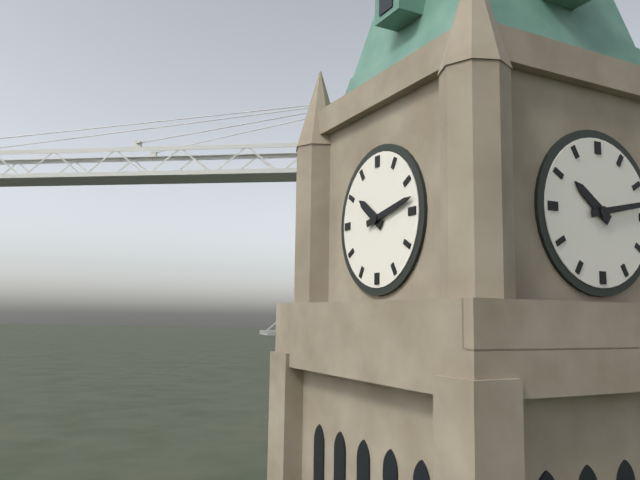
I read {"hour": 10, "minute": 13}
